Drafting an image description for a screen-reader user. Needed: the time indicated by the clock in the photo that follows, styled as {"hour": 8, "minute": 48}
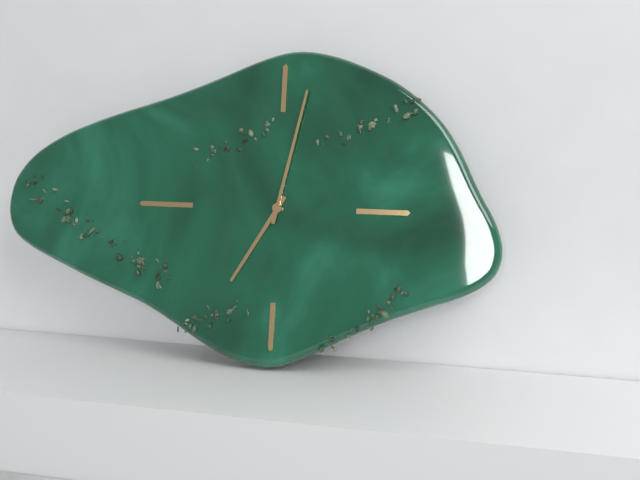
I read {"hour": 7, "minute": 2}
